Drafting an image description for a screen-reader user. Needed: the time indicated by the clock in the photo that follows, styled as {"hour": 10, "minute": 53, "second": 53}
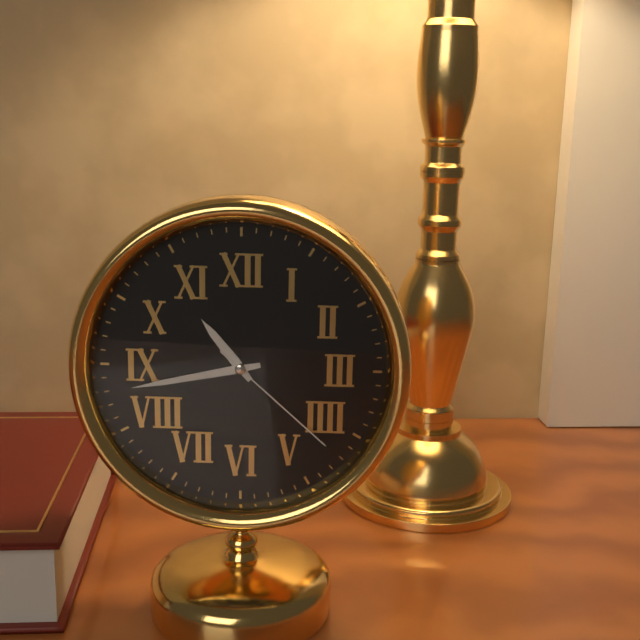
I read {"hour": 10, "minute": 43, "second": 22}
